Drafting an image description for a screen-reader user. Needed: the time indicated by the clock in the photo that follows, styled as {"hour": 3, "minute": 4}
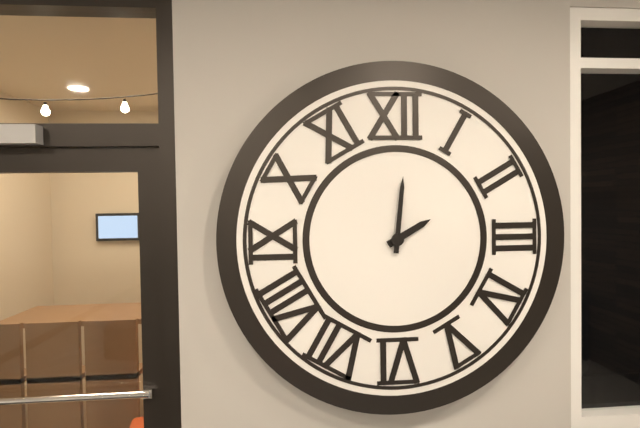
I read {"hour": 2, "minute": 1}
